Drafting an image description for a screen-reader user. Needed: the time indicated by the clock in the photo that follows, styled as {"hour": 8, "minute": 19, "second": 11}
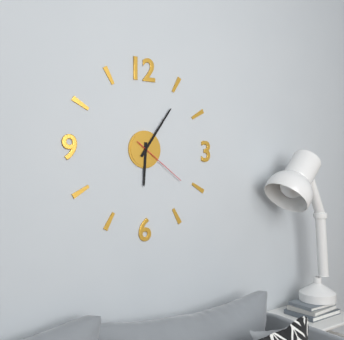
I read {"hour": 6, "minute": 6, "second": 21}
